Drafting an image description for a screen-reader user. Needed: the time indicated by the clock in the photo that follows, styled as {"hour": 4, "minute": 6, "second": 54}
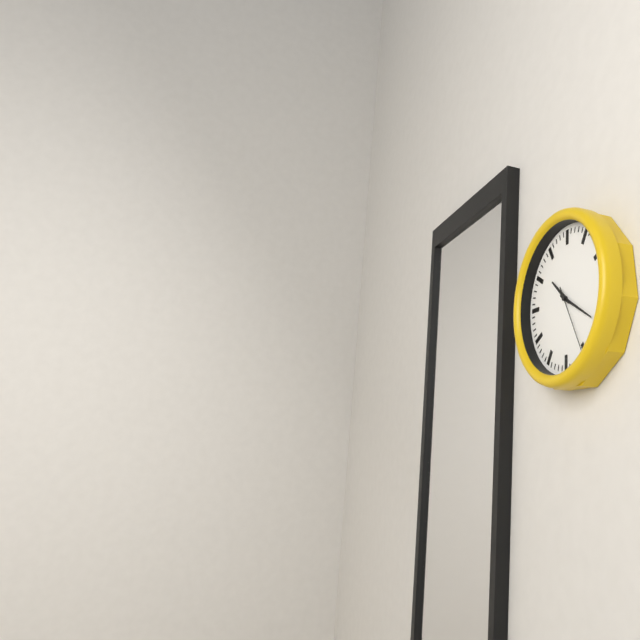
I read {"hour": 10, "minute": 20, "second": 25}
